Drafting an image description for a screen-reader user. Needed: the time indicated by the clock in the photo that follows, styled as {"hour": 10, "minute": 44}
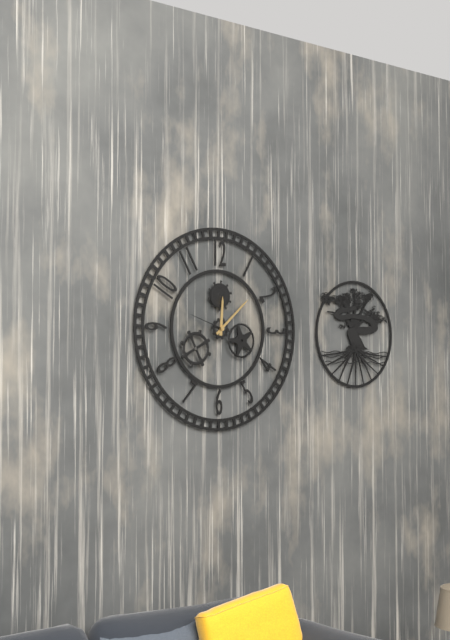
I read {"hour": 12, "minute": 8}
